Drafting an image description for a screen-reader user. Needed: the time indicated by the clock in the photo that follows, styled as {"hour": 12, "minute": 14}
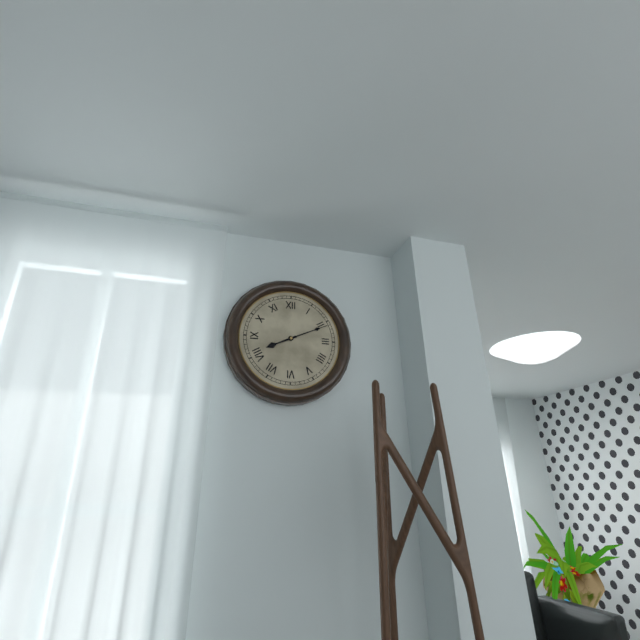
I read {"hour": 8, "minute": 11}
